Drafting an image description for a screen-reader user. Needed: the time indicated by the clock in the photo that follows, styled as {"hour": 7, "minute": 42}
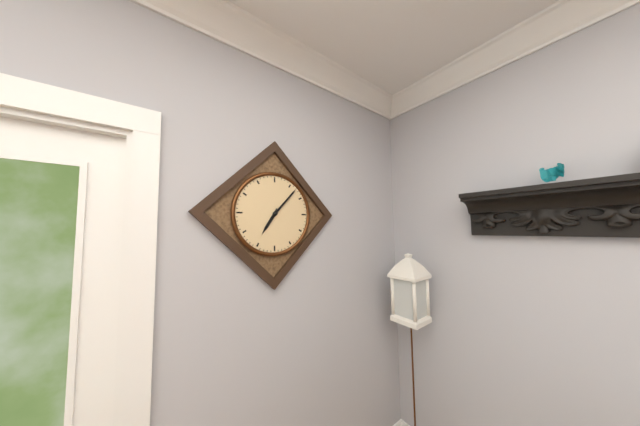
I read {"hour": 7, "minute": 7}
